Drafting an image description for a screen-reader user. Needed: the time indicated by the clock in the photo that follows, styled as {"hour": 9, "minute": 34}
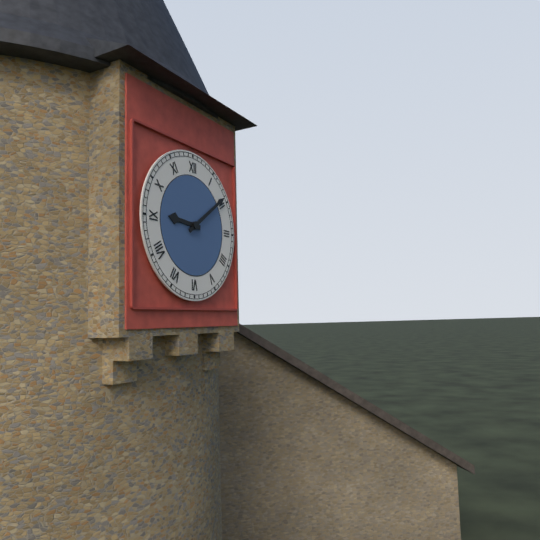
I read {"hour": 9, "minute": 9}
